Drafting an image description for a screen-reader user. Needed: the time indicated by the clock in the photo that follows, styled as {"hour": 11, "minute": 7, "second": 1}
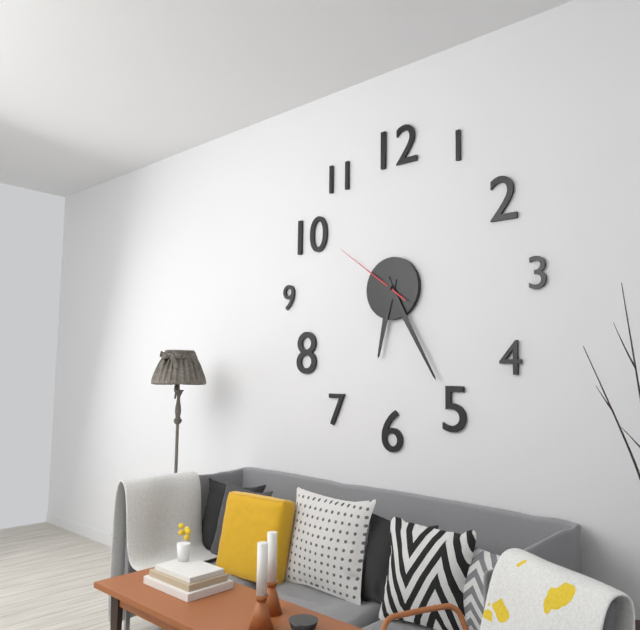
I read {"hour": 6, "minute": 25, "second": 51}
